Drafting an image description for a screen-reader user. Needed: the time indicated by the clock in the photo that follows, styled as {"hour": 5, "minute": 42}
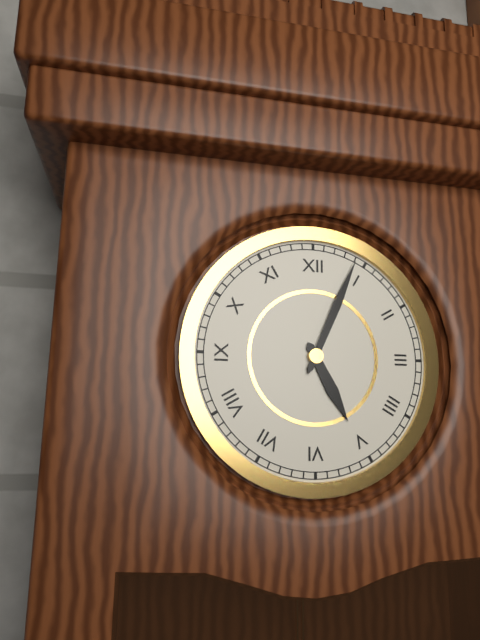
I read {"hour": 5, "minute": 4}
